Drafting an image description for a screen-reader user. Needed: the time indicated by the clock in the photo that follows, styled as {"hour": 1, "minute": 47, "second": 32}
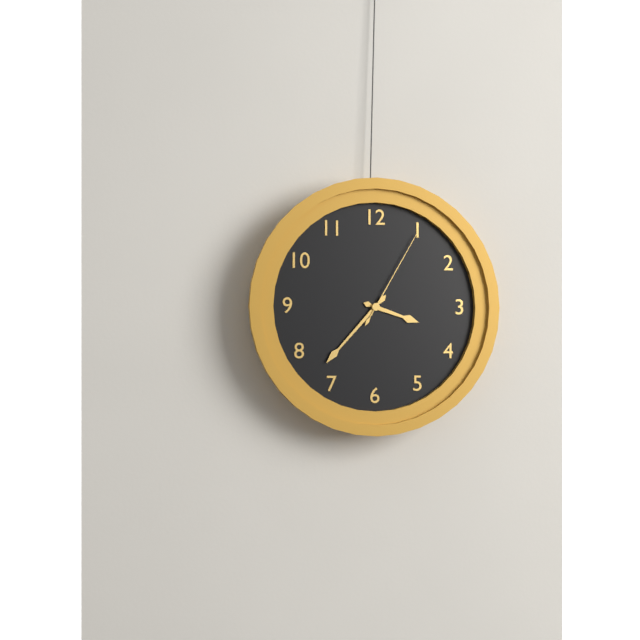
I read {"hour": 3, "minute": 37, "second": 5}
